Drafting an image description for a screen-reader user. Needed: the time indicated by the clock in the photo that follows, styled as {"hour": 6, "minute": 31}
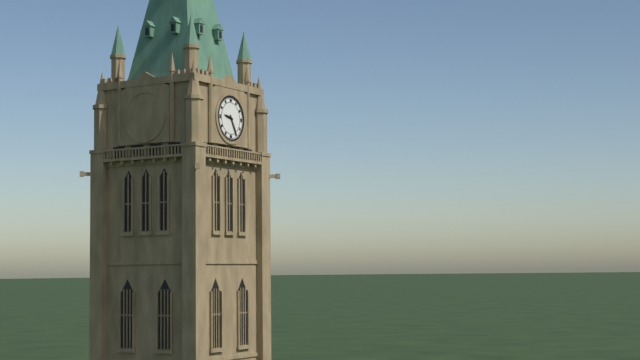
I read {"hour": 9, "minute": 25}
